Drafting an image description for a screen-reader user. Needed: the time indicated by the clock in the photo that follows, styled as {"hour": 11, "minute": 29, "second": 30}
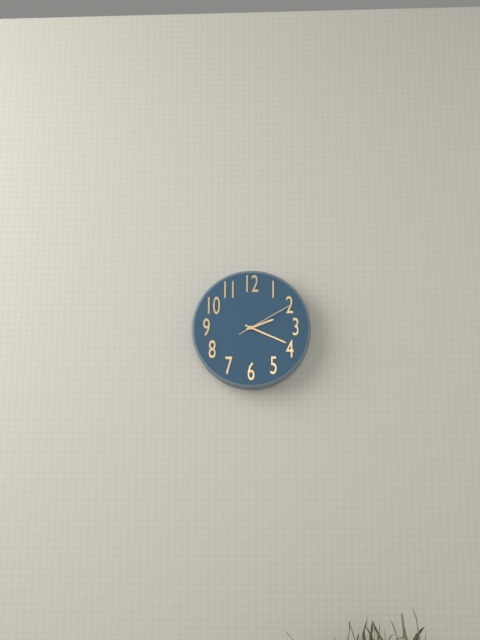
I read {"hour": 2, "minute": 19, "second": 10}
